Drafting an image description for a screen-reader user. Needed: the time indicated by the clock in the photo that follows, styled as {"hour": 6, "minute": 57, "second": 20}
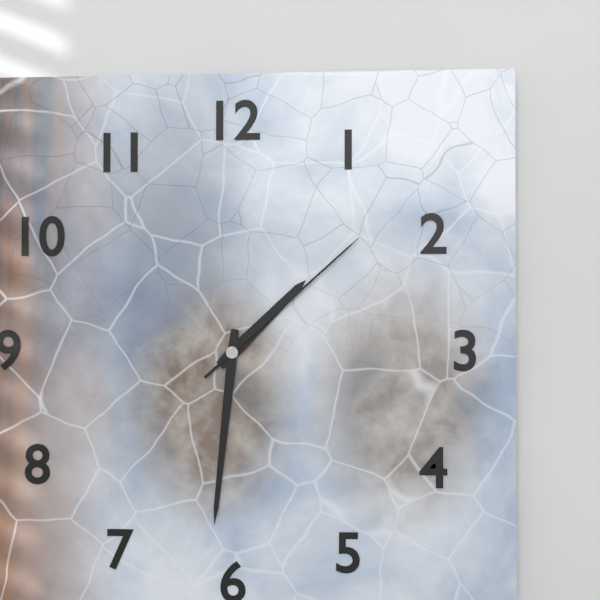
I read {"hour": 1, "minute": 31, "second": 8}
